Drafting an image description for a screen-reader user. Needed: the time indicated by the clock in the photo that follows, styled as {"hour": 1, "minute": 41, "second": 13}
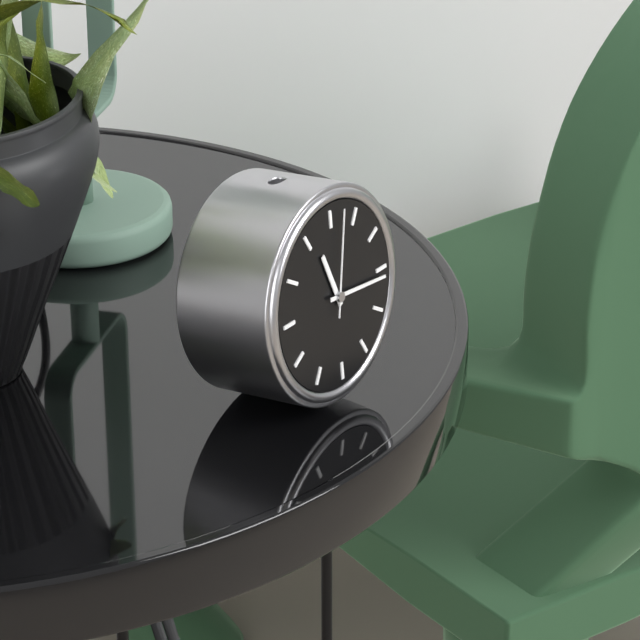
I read {"hour": 11, "minute": 16, "second": 2}
